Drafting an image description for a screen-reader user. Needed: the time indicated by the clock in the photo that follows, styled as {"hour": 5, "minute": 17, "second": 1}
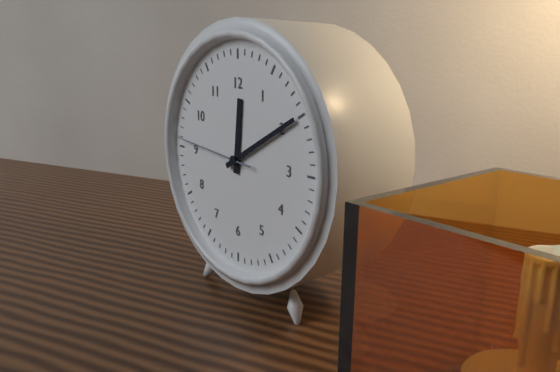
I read {"hour": 12, "minute": 10, "second": 46}
